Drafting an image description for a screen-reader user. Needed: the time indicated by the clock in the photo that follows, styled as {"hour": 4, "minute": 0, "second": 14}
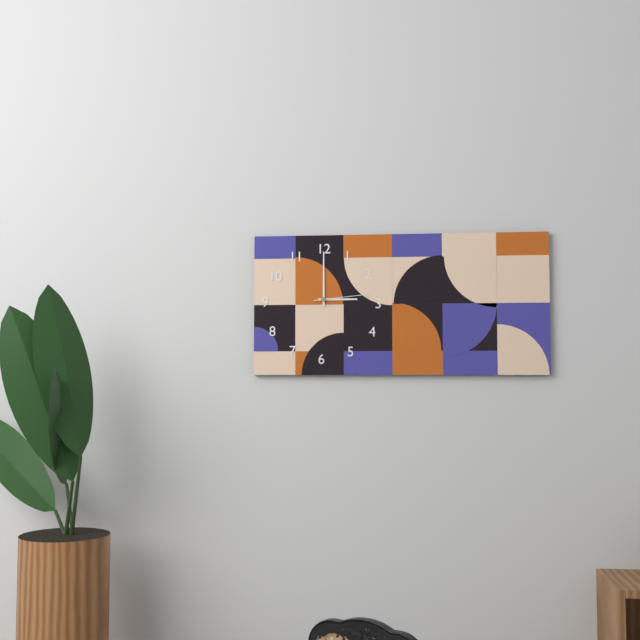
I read {"hour": 3, "minute": 0, "second": 14}
